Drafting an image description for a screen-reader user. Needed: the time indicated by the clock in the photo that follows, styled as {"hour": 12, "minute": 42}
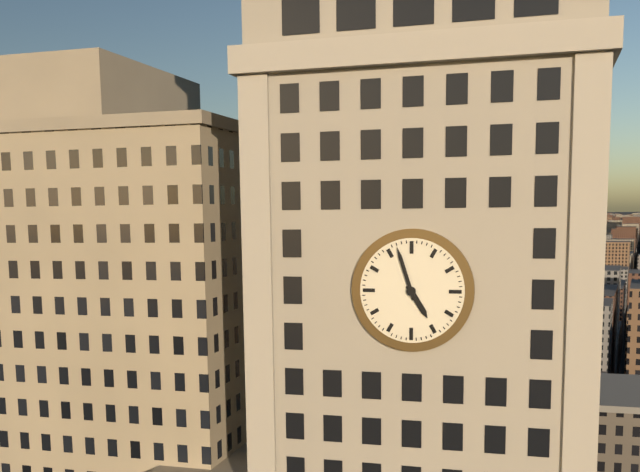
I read {"hour": 4, "minute": 57}
